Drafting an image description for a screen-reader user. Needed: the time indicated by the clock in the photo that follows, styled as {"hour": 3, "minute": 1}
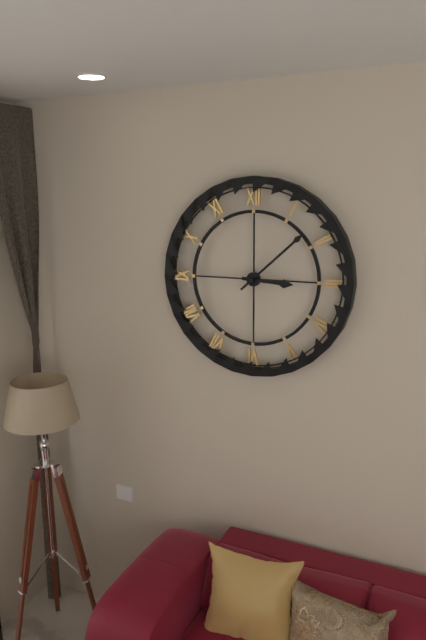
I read {"hour": 3, "minute": 8}
